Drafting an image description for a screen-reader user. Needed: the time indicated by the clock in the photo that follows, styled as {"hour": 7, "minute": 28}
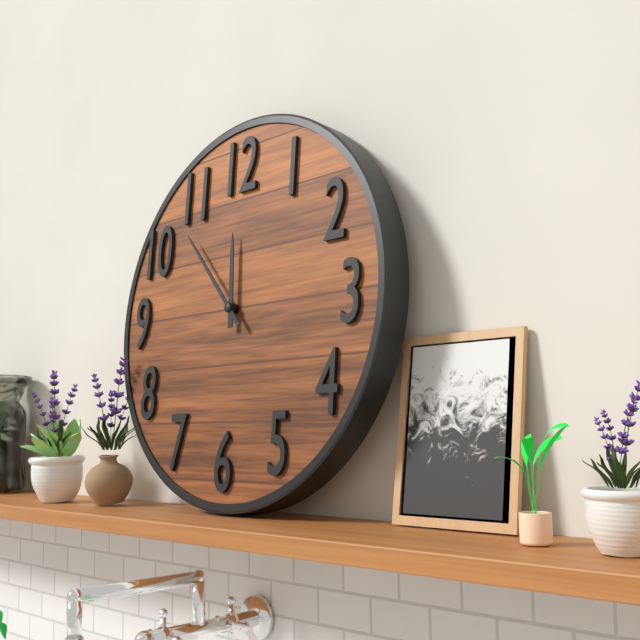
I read {"hour": 11, "minute": 53}
